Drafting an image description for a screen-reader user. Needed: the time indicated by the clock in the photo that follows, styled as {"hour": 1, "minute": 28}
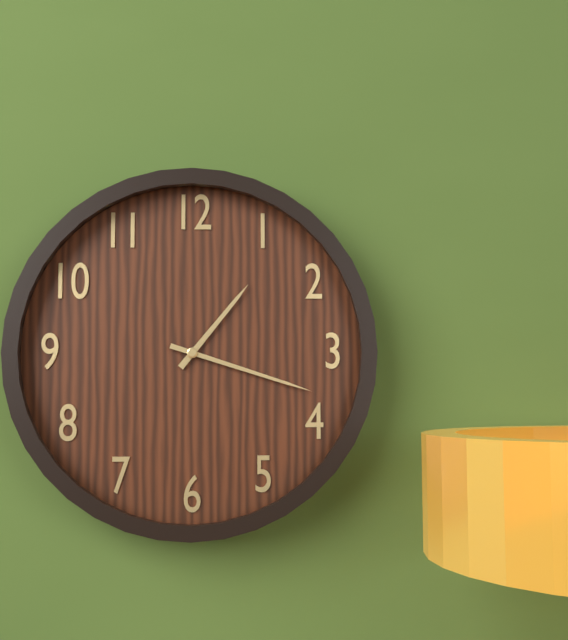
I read {"hour": 1, "minute": 18}
